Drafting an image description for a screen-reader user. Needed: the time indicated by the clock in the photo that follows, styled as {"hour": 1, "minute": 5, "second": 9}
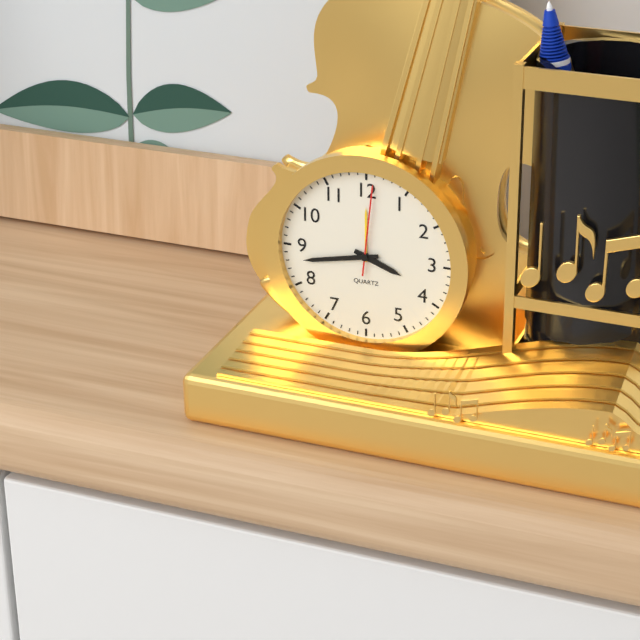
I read {"hour": 3, "minute": 43, "second": 1}
